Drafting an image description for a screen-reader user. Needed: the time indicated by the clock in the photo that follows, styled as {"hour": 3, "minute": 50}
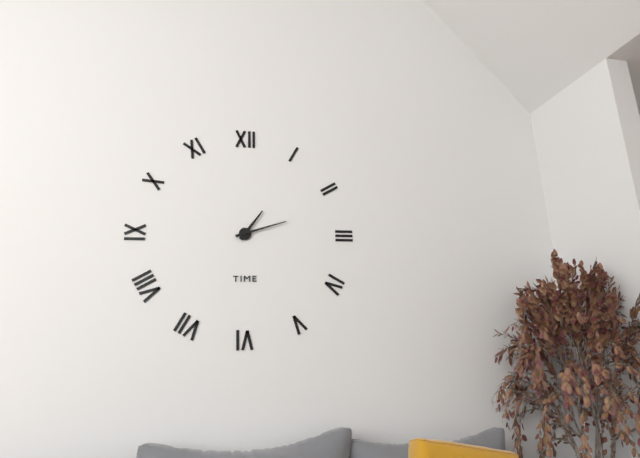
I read {"hour": 1, "minute": 12}
